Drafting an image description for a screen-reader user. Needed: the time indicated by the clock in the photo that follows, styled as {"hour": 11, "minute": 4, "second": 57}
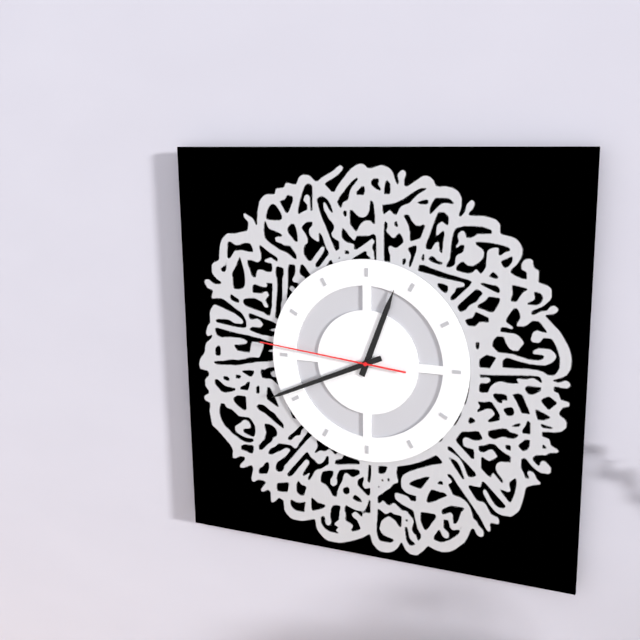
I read {"hour": 12, "minute": 41, "second": 46}
